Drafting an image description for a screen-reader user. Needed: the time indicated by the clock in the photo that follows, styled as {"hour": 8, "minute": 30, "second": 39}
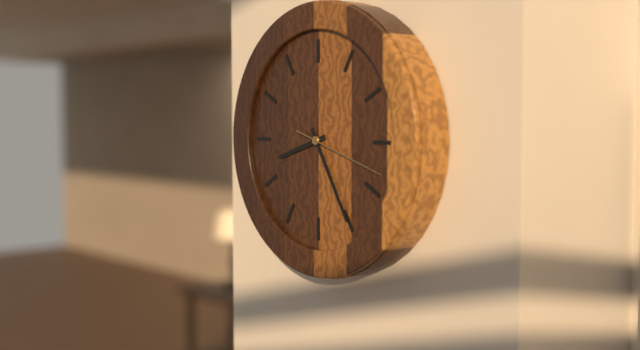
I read {"hour": 8, "minute": 25, "second": 18}
